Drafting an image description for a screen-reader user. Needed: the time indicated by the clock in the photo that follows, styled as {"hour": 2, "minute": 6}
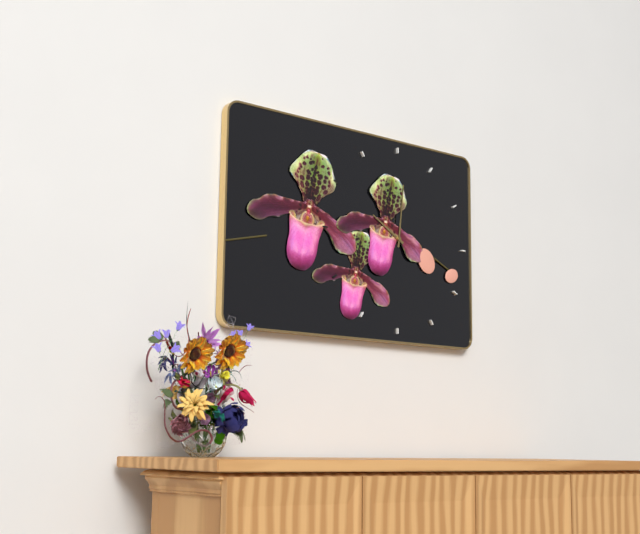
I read {"hour": 10, "minute": 1}
